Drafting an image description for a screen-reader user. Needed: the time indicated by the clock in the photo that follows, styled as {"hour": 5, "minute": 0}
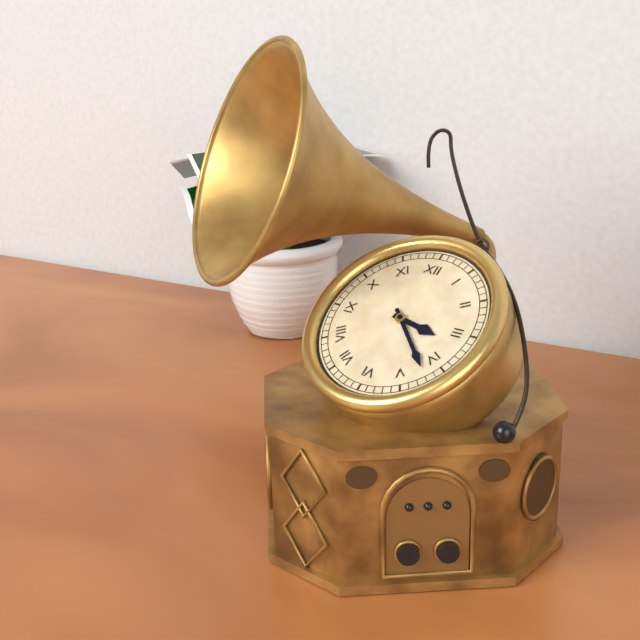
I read {"hour": 3, "minute": 22}
